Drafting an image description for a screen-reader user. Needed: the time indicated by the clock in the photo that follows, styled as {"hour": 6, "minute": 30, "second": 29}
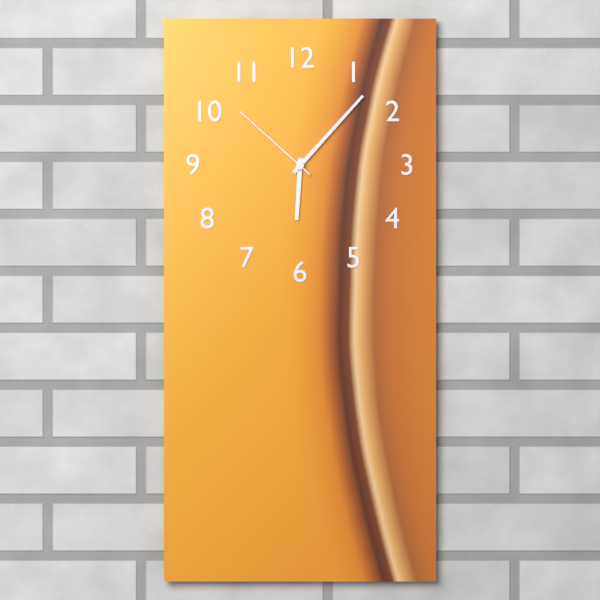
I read {"hour": 6, "minute": 7, "second": 52}
